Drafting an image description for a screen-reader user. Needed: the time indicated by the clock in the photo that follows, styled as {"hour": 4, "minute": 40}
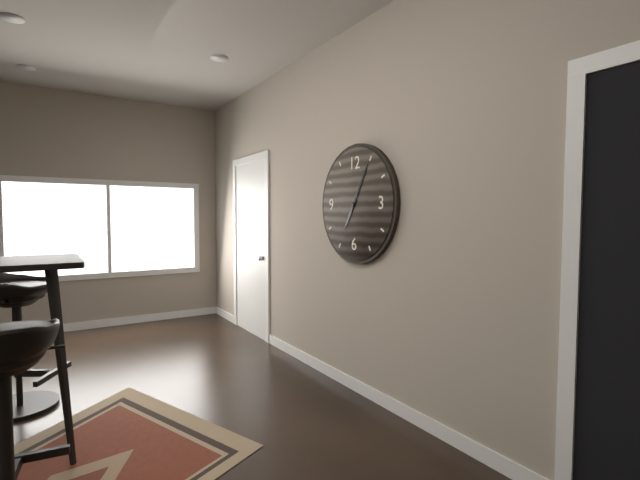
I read {"hour": 7, "minute": 5}
